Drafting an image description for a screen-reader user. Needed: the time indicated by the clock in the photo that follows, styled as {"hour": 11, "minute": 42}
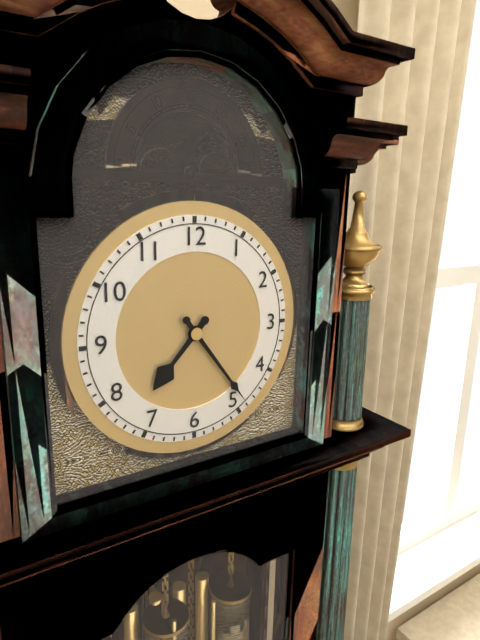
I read {"hour": 7, "minute": 24}
